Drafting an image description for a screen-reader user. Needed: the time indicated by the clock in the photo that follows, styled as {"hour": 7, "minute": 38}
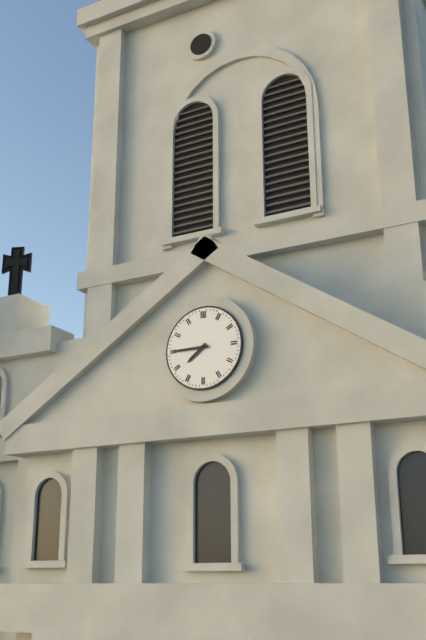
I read {"hour": 7, "minute": 45}
